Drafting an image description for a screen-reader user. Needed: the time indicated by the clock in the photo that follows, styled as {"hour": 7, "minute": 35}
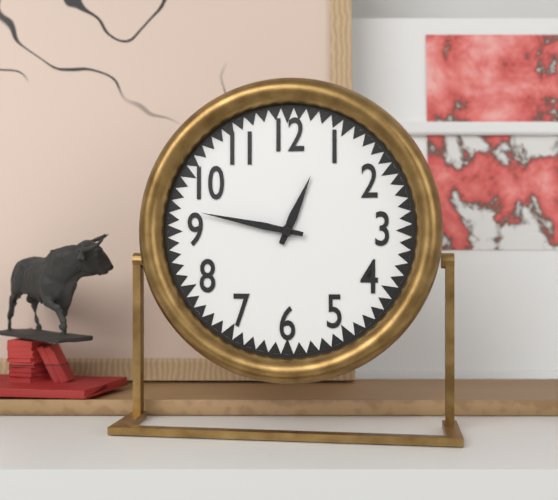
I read {"hour": 12, "minute": 47}
